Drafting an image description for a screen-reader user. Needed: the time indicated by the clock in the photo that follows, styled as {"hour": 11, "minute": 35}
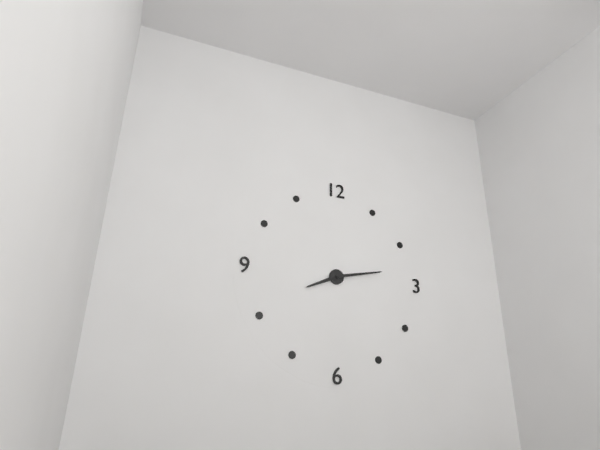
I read {"hour": 8, "minute": 13}
